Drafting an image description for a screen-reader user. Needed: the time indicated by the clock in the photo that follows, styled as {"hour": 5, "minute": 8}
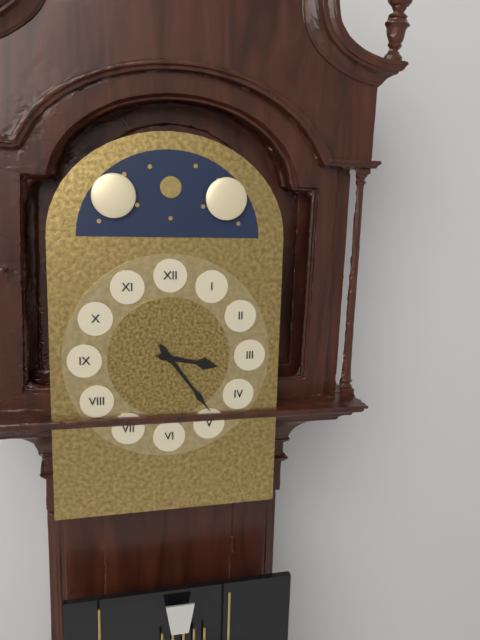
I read {"hour": 3, "minute": 24}
